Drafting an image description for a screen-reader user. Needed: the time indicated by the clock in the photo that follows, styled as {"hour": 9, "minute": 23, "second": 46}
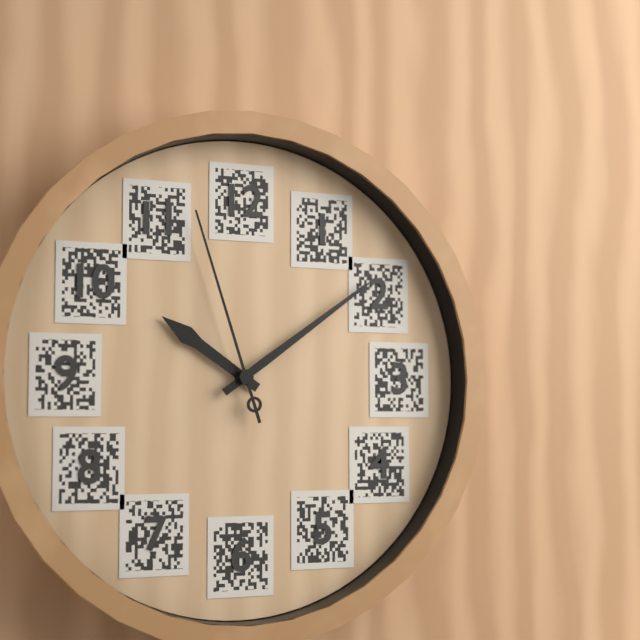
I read {"hour": 10, "minute": 9, "second": 57}
